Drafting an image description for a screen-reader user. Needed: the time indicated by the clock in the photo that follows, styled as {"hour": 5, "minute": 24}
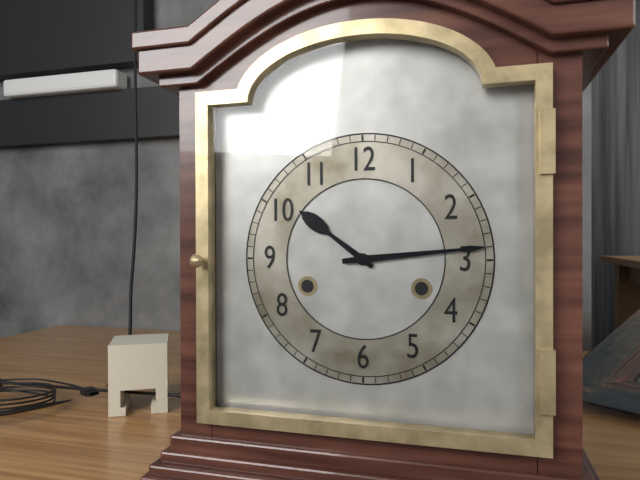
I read {"hour": 10, "minute": 14}
